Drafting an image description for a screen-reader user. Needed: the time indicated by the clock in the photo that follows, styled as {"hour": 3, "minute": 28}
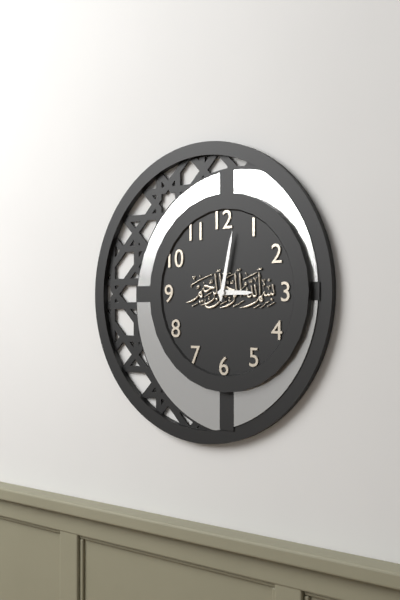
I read {"hour": 3, "minute": 2}
